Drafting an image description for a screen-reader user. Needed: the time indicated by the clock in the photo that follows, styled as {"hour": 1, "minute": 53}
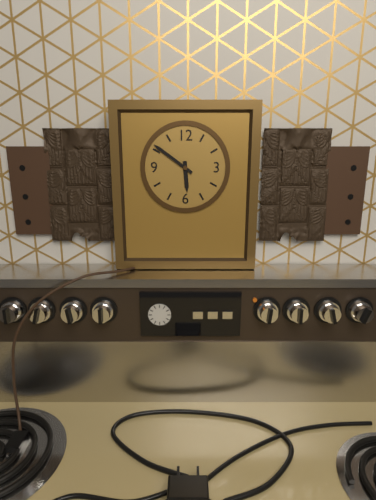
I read {"hour": 5, "minute": 51}
